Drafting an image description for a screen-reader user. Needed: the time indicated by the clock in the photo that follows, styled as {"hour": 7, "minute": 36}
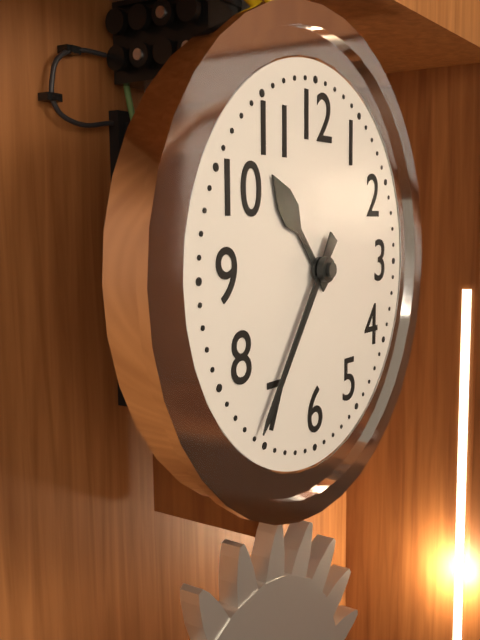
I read {"hour": 10, "minute": 36}
